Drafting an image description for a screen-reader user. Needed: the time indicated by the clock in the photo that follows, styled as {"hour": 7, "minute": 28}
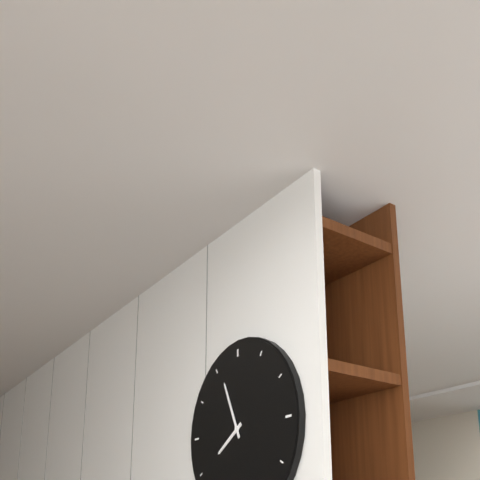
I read {"hour": 7, "minute": 56}
